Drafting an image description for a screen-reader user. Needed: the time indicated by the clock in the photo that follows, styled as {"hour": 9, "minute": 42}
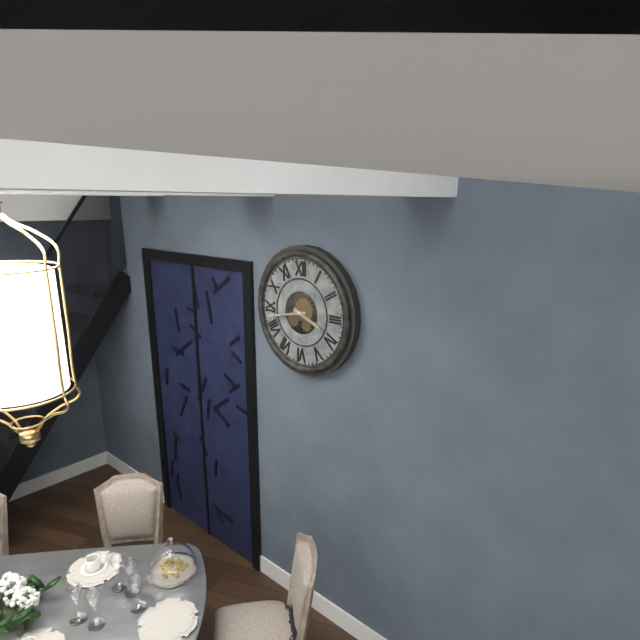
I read {"hour": 3, "minute": 43}
